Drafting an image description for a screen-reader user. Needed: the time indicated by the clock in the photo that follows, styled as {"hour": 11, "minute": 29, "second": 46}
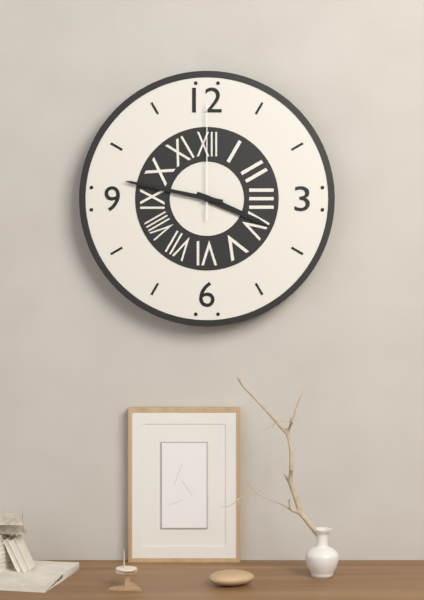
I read {"hour": 3, "minute": 47, "second": 0}
